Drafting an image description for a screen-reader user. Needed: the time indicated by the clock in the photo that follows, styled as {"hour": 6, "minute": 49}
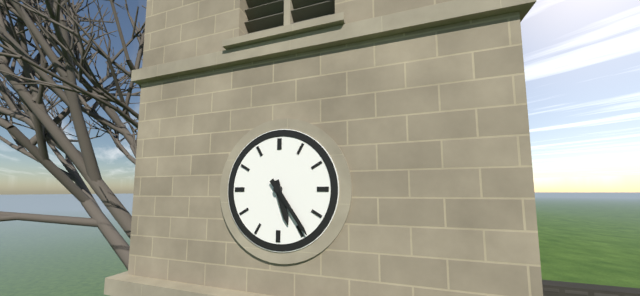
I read {"hour": 5, "minute": 24}
